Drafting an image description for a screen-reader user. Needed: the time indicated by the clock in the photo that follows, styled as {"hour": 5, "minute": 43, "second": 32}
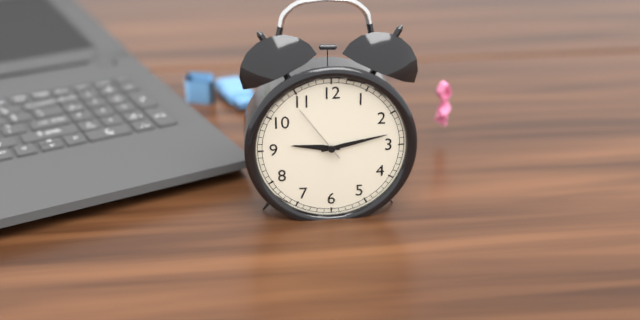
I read {"hour": 9, "minute": 13, "second": 54}
